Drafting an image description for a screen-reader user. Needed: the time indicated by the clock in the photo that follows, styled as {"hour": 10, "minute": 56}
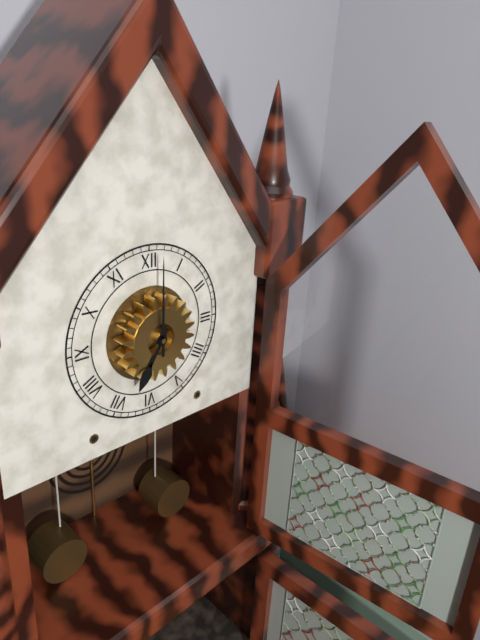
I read {"hour": 7, "minute": 0}
